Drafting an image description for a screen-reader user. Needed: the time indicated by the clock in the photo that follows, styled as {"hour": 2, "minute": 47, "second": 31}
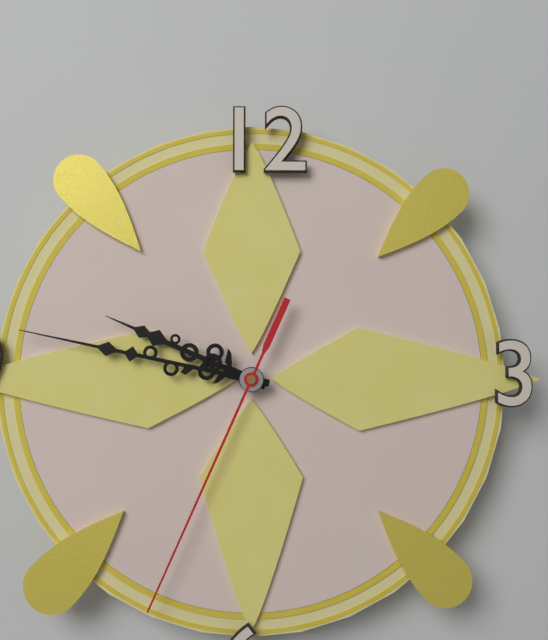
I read {"hour": 9, "minute": 47, "second": 34}
